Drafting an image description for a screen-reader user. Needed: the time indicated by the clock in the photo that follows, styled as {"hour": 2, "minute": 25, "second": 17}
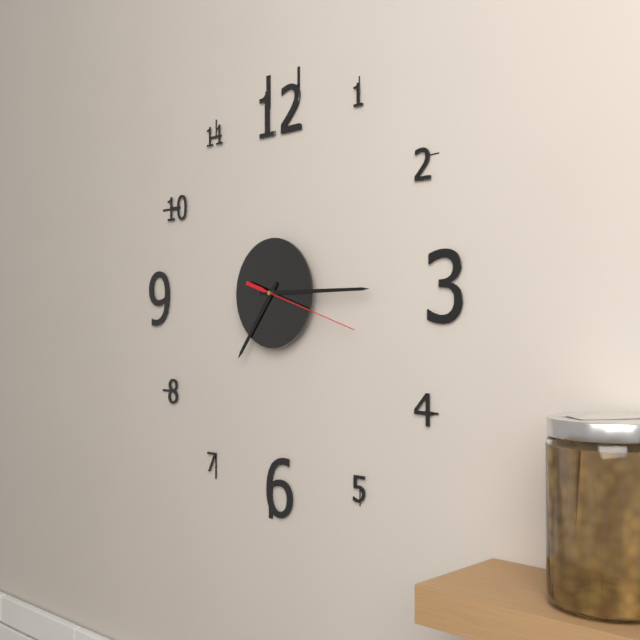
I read {"hour": 7, "minute": 15, "second": 18}
